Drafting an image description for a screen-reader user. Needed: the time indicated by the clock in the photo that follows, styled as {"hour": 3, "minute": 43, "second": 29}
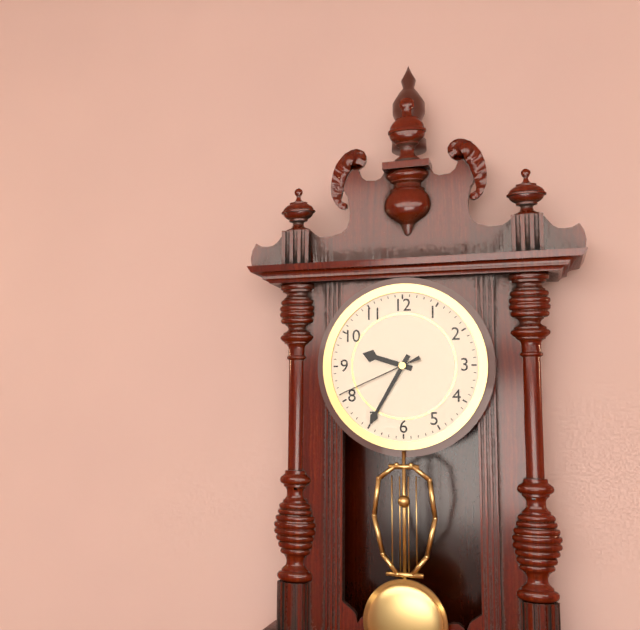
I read {"hour": 9, "minute": 35, "second": 41}
